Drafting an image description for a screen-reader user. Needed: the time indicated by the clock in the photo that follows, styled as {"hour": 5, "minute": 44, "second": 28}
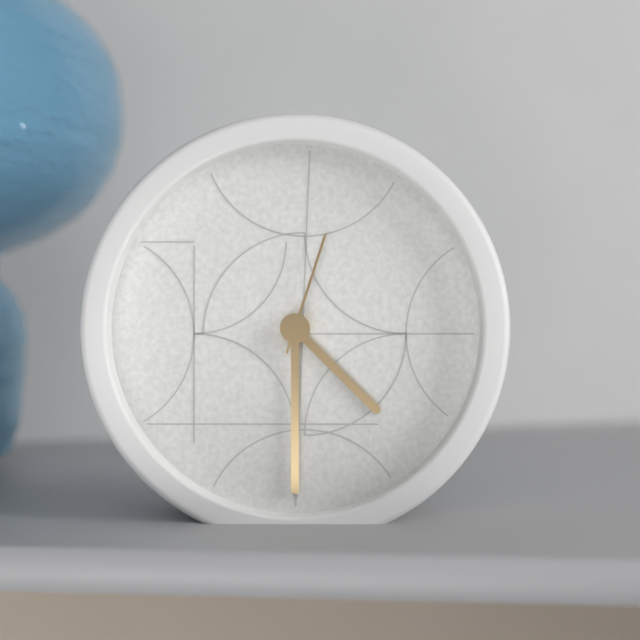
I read {"hour": 4, "minute": 30, "second": 3}
